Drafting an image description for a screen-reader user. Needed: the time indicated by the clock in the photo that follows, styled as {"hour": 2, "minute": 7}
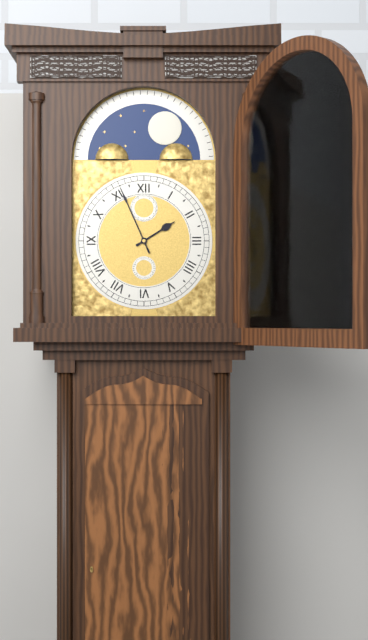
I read {"hour": 1, "minute": 56}
